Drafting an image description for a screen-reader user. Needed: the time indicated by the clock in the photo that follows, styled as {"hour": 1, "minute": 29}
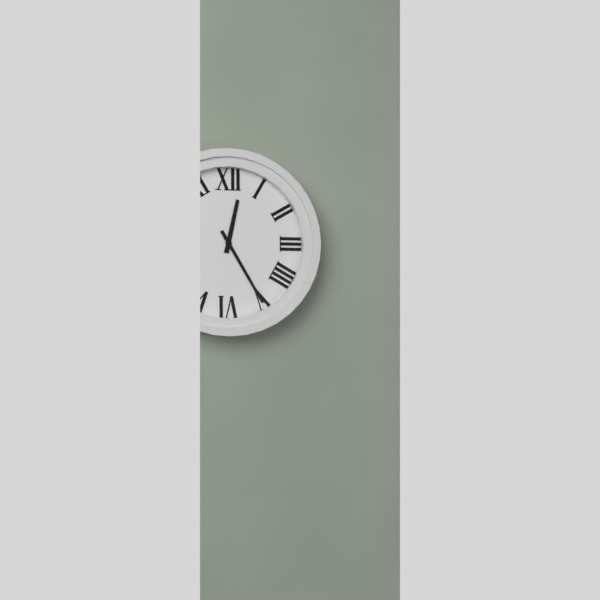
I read {"hour": 12, "minute": 25}
